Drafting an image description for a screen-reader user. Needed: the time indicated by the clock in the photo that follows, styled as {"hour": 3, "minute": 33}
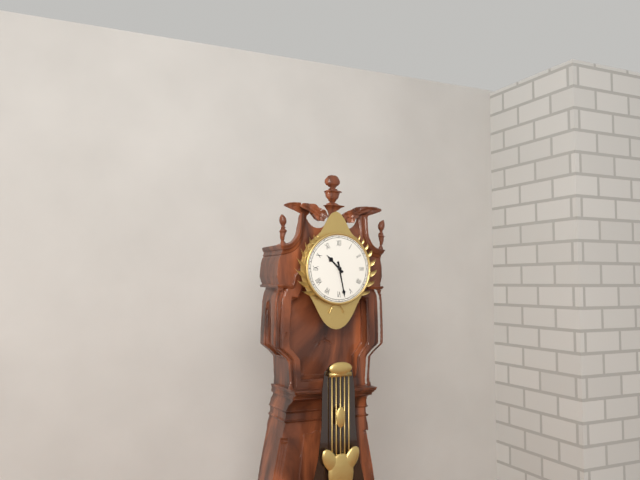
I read {"hour": 10, "minute": 28}
